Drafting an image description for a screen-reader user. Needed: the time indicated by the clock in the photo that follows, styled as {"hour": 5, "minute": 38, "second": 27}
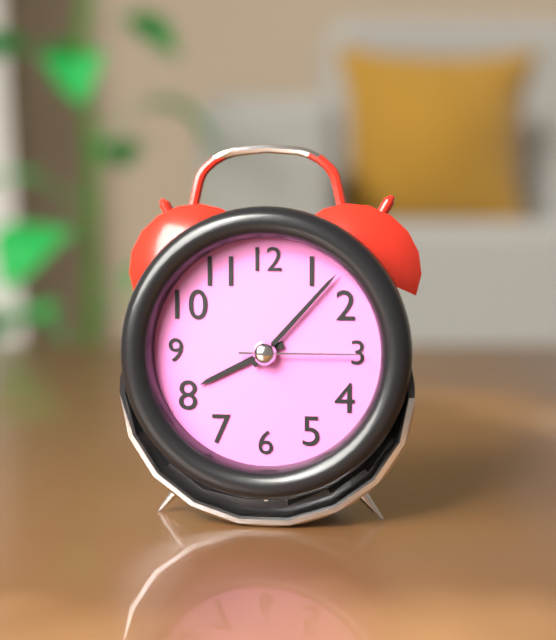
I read {"hour": 8, "minute": 7, "second": 15}
